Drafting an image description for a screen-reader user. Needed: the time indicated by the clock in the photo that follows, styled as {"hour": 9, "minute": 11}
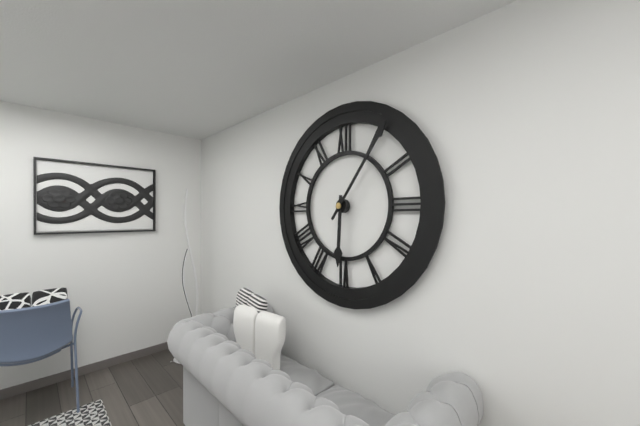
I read {"hour": 6, "minute": 6}
